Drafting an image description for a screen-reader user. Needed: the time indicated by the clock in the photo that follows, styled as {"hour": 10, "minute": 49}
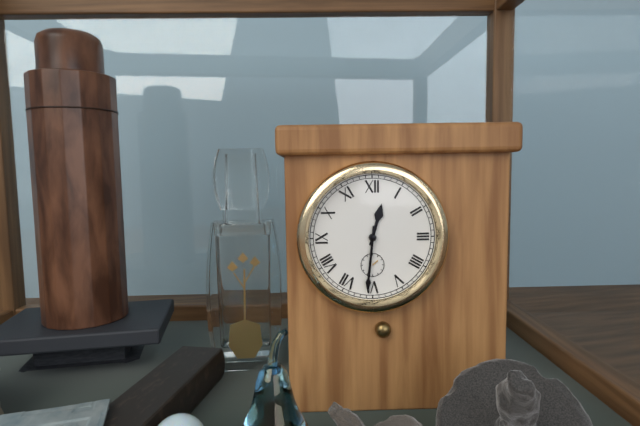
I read {"hour": 12, "minute": 31}
